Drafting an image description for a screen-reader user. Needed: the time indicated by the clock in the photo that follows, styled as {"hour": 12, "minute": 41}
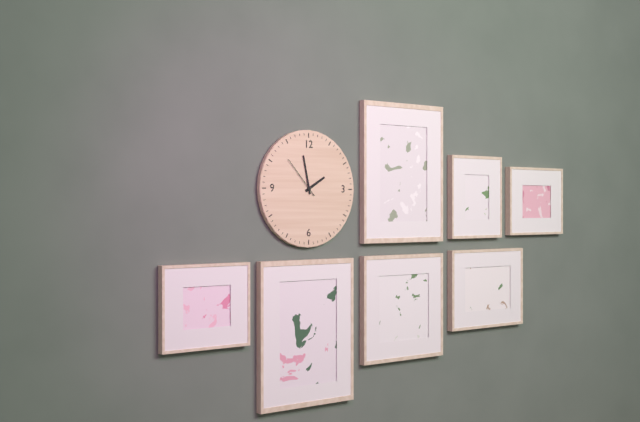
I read {"hour": 1, "minute": 58}
